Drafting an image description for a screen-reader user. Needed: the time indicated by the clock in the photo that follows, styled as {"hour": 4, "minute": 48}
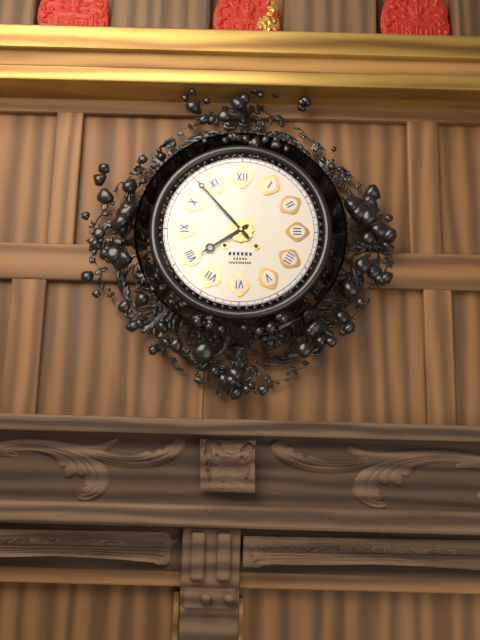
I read {"hour": 7, "minute": 53}
